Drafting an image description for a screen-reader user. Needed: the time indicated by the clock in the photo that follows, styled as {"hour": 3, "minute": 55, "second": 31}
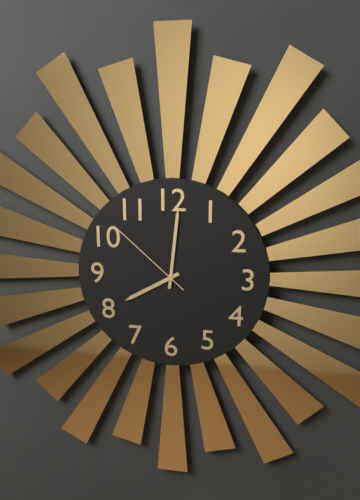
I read {"hour": 8, "minute": 1, "second": 52}
